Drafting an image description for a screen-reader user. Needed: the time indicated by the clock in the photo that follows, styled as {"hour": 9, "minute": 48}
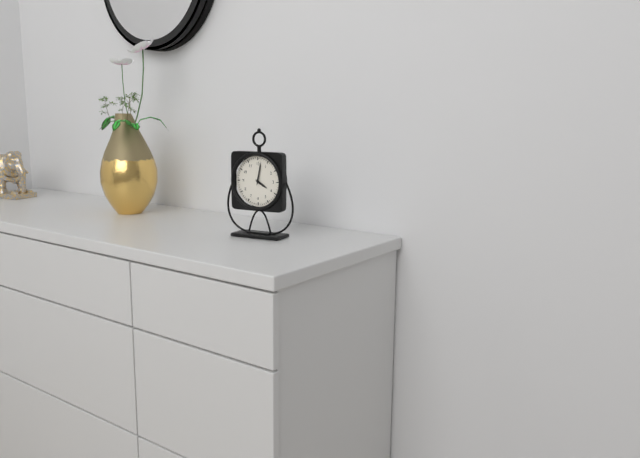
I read {"hour": 4, "minute": 2}
